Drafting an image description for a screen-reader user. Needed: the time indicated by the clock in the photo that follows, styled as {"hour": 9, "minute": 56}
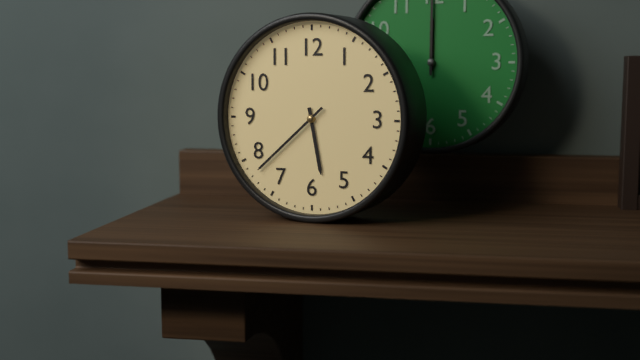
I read {"hour": 5, "minute": 38}
